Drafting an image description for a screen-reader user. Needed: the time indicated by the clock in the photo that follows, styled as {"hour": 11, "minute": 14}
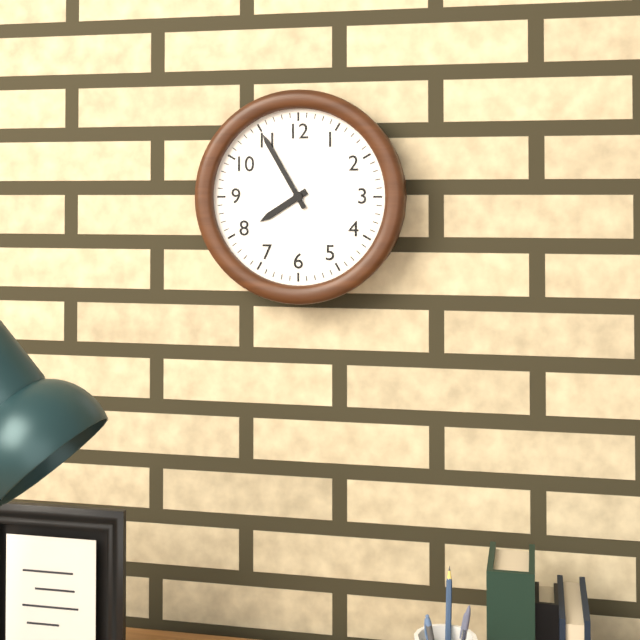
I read {"hour": 7, "minute": 55}
